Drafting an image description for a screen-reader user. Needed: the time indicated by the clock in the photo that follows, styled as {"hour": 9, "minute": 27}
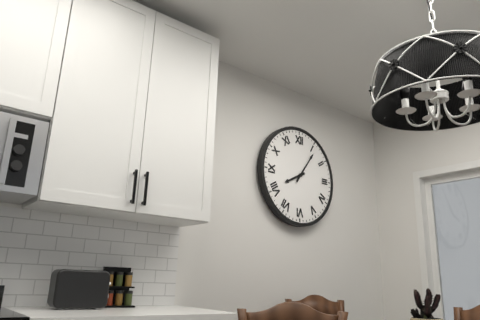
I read {"hour": 8, "minute": 6}
